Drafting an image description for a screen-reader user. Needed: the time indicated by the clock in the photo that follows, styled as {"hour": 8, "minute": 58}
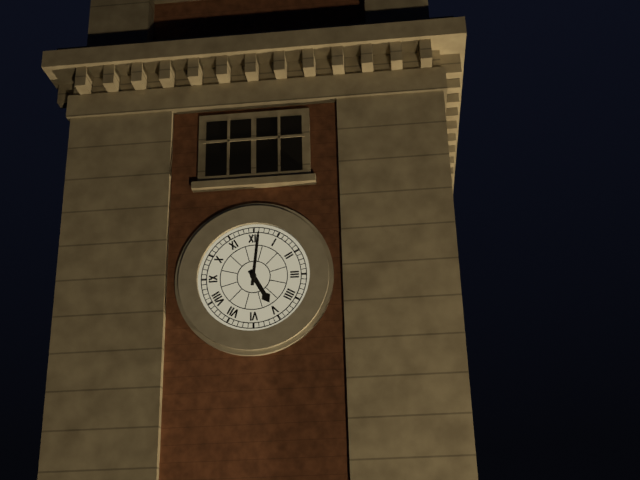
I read {"hour": 5, "minute": 1}
